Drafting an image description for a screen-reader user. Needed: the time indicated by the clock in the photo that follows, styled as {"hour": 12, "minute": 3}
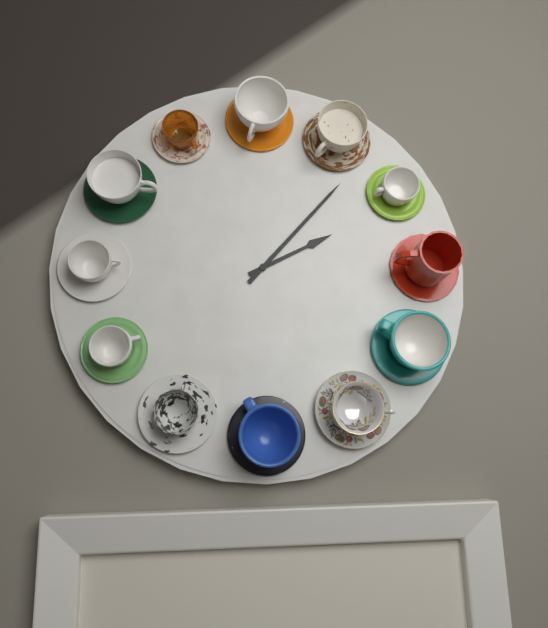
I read {"hour": 2, "minute": 7}
